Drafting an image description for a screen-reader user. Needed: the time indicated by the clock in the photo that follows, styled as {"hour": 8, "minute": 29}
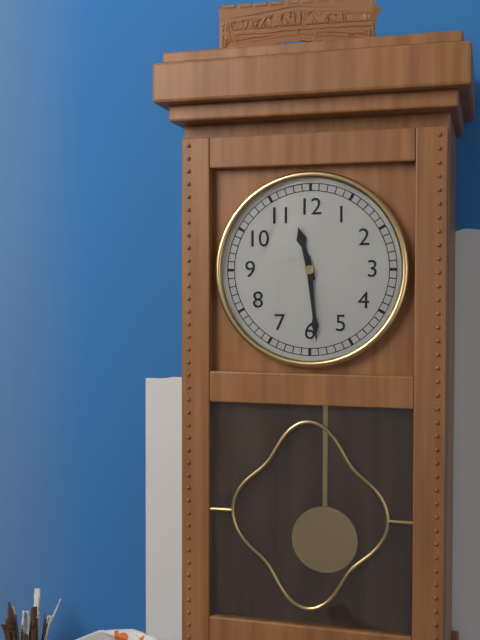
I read {"hour": 11, "minute": 29}
